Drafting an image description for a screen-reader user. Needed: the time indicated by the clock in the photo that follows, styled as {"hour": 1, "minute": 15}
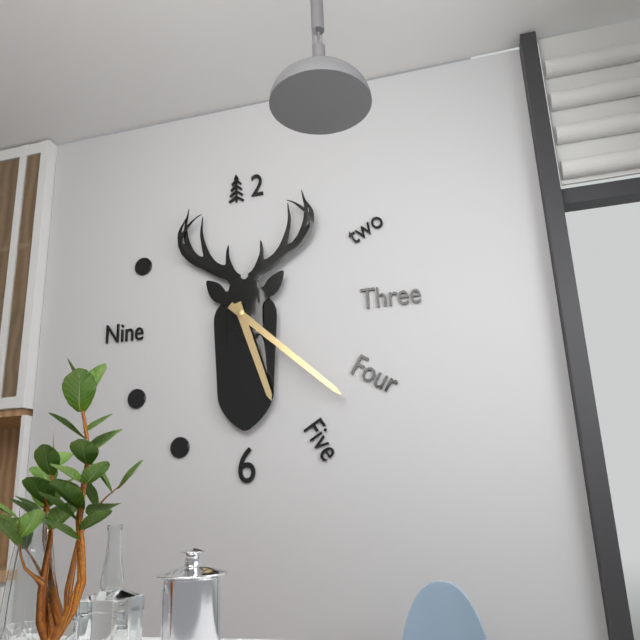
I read {"hour": 5, "minute": 22}
